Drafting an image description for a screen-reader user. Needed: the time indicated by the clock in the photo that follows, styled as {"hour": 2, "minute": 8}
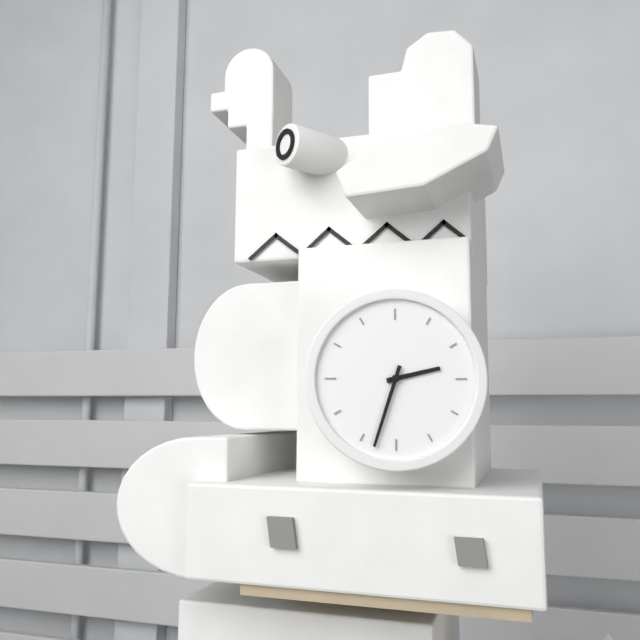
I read {"hour": 2, "minute": 33}
